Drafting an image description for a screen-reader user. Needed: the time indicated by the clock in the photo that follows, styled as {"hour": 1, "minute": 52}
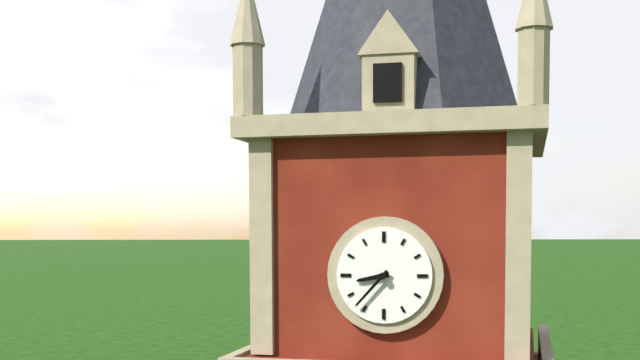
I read {"hour": 8, "minute": 37}
